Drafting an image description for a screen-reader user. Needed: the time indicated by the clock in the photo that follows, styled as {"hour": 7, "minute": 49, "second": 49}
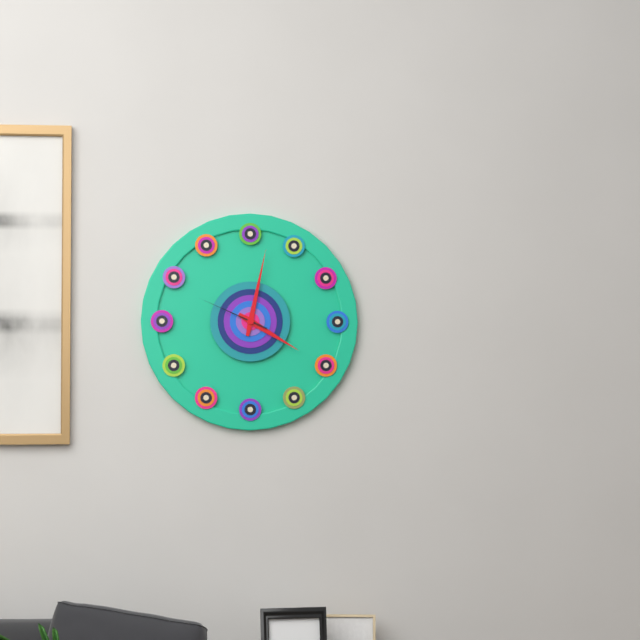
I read {"hour": 4, "minute": 2, "second": 49}
